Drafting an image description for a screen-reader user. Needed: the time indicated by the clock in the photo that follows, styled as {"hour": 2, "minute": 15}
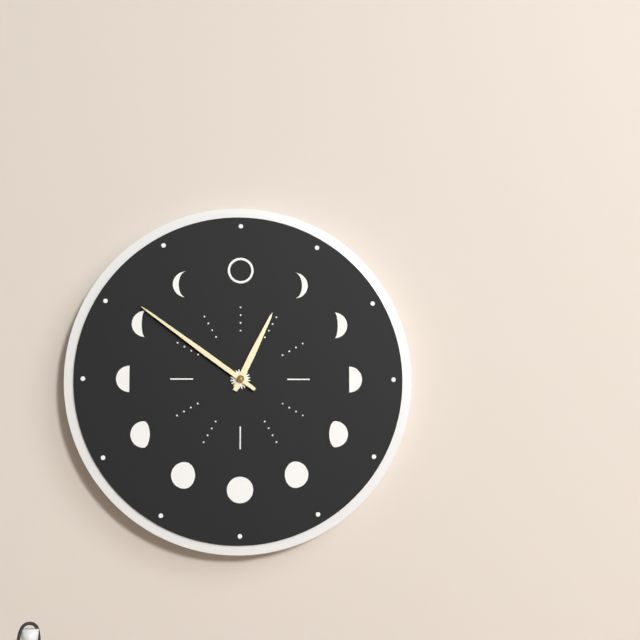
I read {"hour": 12, "minute": 51}
